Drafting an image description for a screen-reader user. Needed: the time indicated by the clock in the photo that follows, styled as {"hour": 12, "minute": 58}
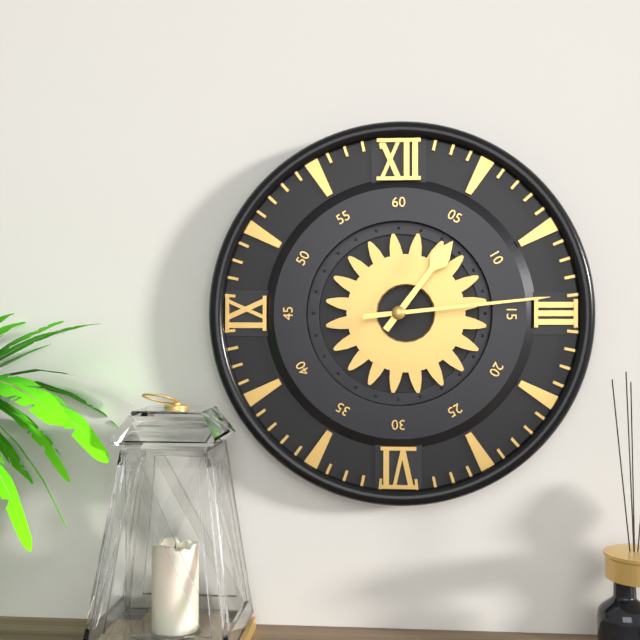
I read {"hour": 1, "minute": 14}
